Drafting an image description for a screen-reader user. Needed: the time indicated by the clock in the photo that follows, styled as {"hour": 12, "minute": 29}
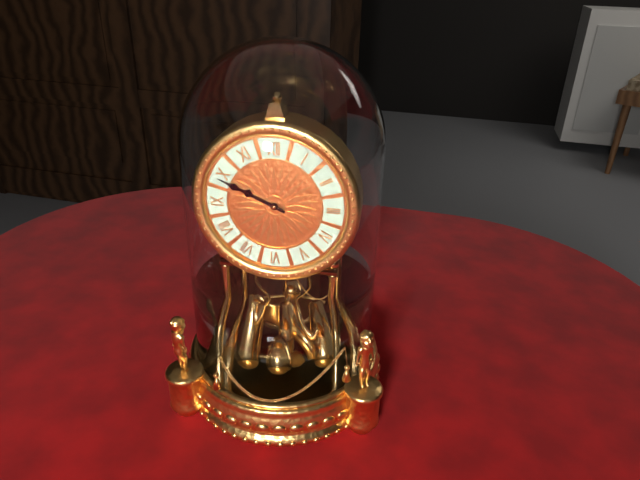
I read {"hour": 9, "minute": 49}
